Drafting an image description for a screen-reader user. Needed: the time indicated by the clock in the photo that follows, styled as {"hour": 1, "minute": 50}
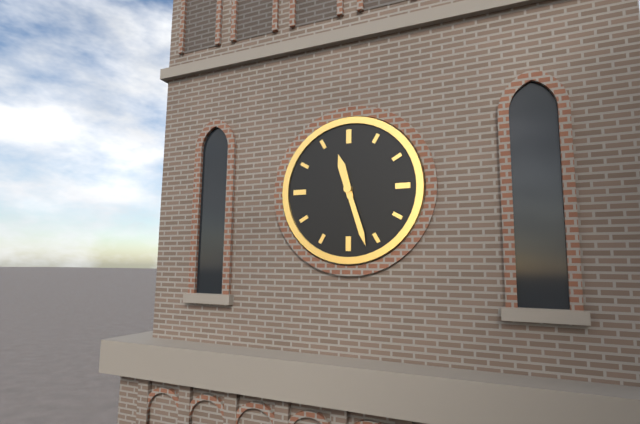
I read {"hour": 11, "minute": 27}
